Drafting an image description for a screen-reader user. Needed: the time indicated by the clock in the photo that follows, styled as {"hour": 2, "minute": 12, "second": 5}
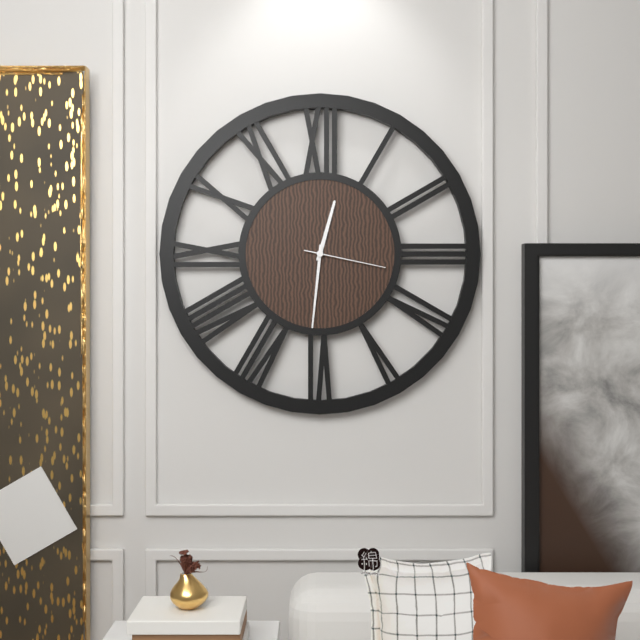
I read {"hour": 12, "minute": 31, "second": 17}
